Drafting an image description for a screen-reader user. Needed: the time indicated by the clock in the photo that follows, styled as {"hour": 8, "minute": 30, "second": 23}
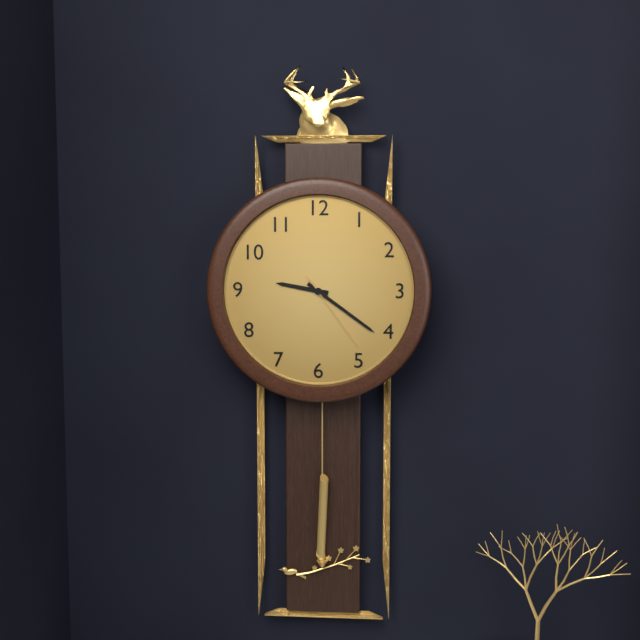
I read {"hour": 9, "minute": 21, "second": 24}
